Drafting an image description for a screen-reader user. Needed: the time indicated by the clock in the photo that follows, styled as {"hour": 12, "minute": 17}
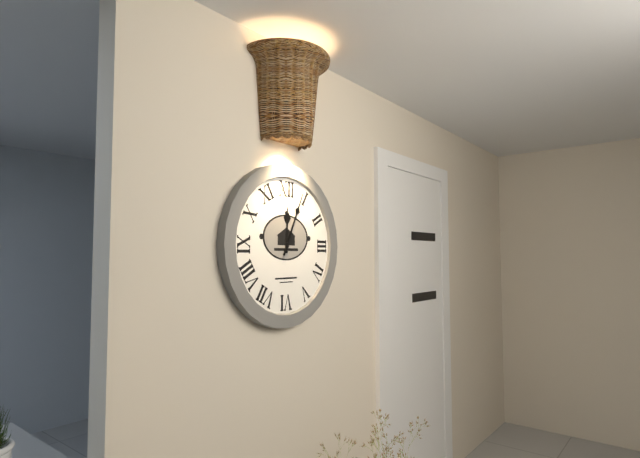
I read {"hour": 12, "minute": 4}
